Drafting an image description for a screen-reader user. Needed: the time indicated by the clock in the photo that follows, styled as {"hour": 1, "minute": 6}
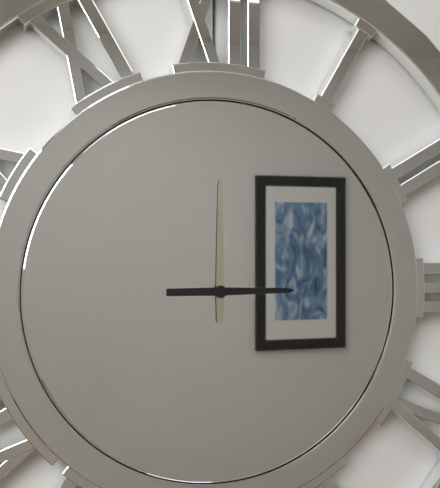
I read {"hour": 3, "minute": 0}
